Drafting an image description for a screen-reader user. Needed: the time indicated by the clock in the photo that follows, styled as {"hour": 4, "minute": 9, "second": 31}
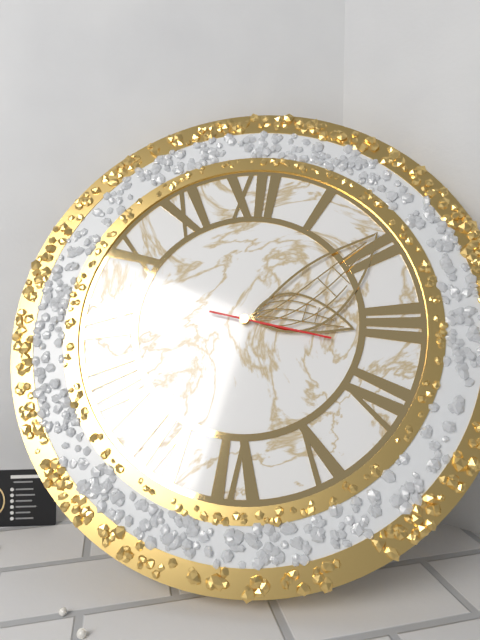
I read {"hour": 3, "minute": 9, "second": 17}
